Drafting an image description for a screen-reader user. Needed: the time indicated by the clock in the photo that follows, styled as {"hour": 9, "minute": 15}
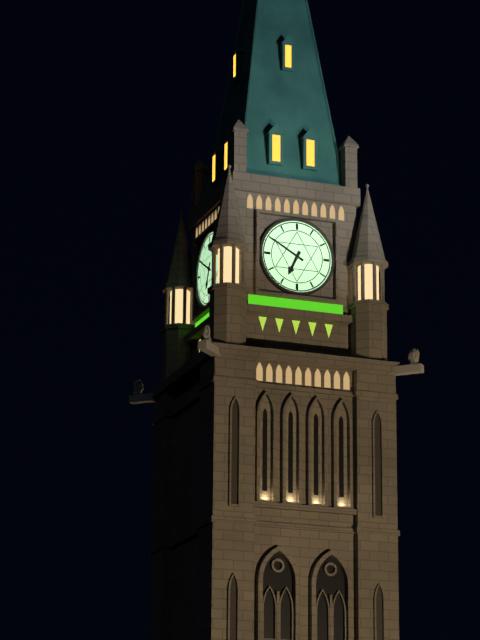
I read {"hour": 6, "minute": 50}
